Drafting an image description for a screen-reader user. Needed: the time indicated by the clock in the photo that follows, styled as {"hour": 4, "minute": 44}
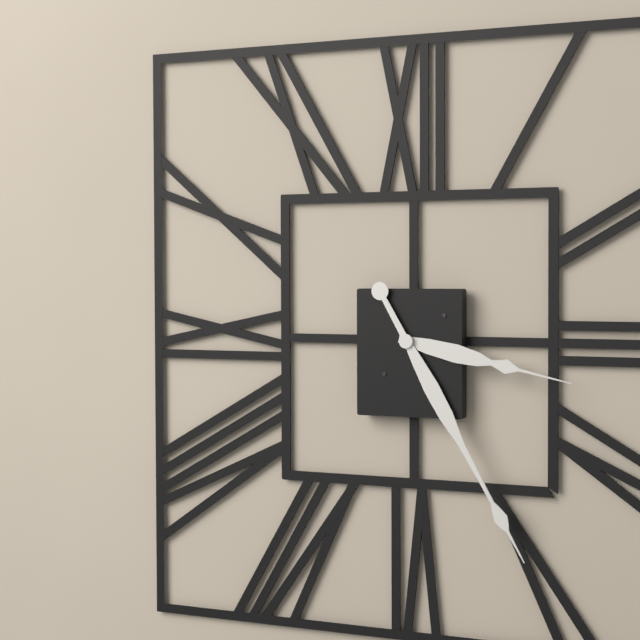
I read {"hour": 3, "minute": 25}
